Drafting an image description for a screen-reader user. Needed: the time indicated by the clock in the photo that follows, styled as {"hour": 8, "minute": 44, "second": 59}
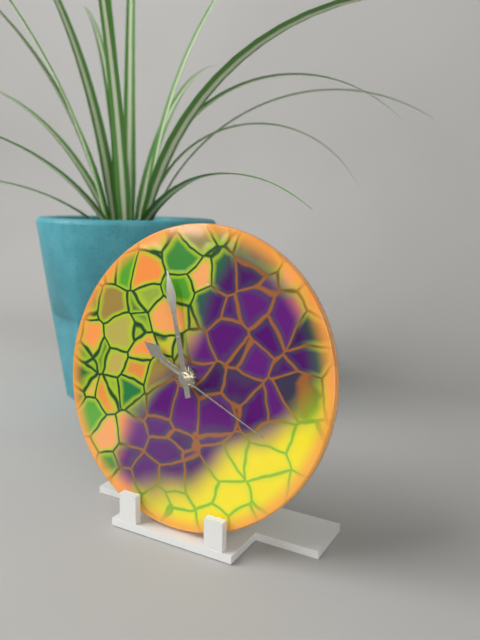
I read {"hour": 9, "minute": 57, "second": 19}
